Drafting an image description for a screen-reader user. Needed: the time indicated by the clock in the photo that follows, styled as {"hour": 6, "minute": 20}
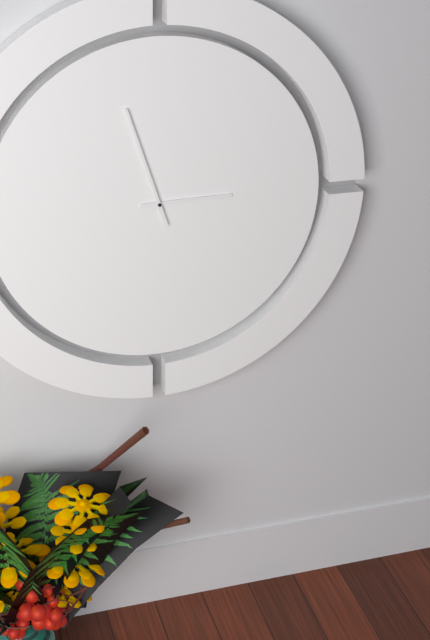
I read {"hour": 2, "minute": 57}
